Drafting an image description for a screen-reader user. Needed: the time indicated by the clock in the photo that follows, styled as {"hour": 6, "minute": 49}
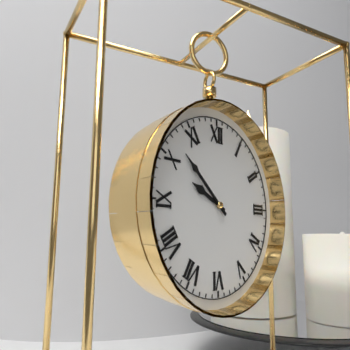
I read {"hour": 9, "minute": 52}
